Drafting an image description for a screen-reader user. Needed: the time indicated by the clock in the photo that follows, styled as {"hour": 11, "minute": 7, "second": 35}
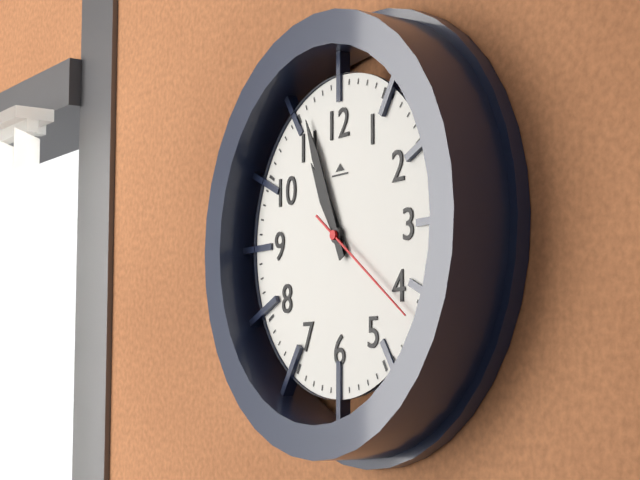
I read {"hour": 10, "minute": 56, "second": 21}
